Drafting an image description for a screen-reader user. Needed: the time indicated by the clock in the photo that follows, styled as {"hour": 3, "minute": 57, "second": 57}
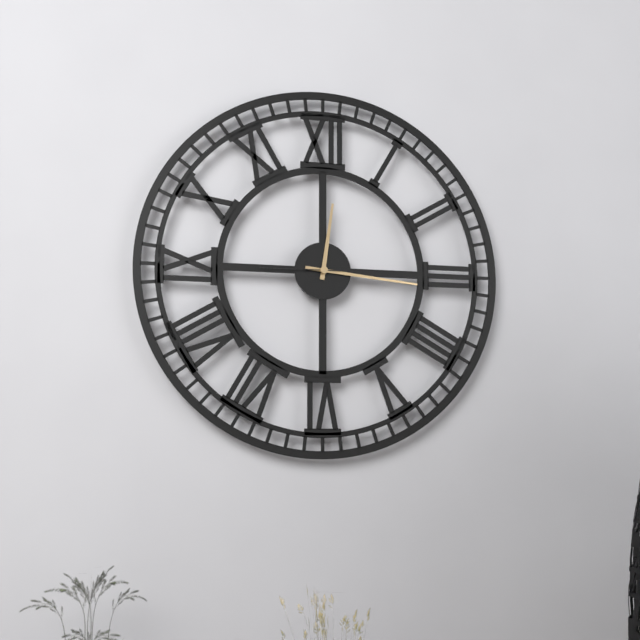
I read {"hour": 12, "minute": 16, "second": 45}
